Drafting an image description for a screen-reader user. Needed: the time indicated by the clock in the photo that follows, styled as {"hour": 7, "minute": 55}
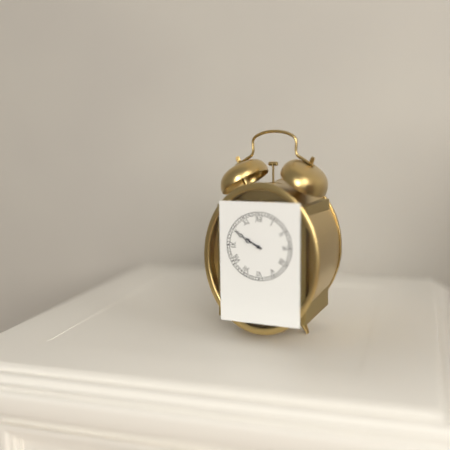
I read {"hour": 9, "minute": 50}
